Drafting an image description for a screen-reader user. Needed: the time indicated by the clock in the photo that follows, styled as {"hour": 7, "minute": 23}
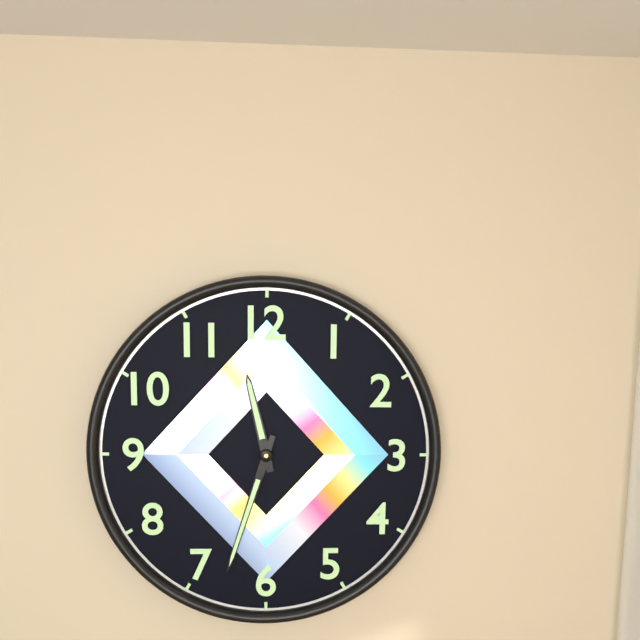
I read {"hour": 11, "minute": 33}
